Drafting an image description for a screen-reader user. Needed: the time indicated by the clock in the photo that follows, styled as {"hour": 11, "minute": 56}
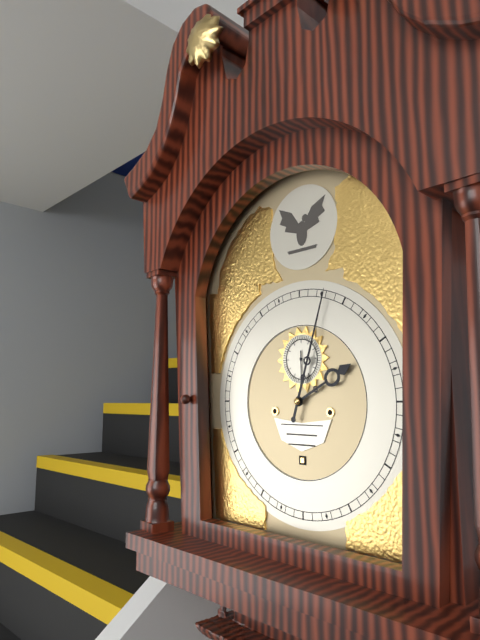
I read {"hour": 2, "minute": 3}
